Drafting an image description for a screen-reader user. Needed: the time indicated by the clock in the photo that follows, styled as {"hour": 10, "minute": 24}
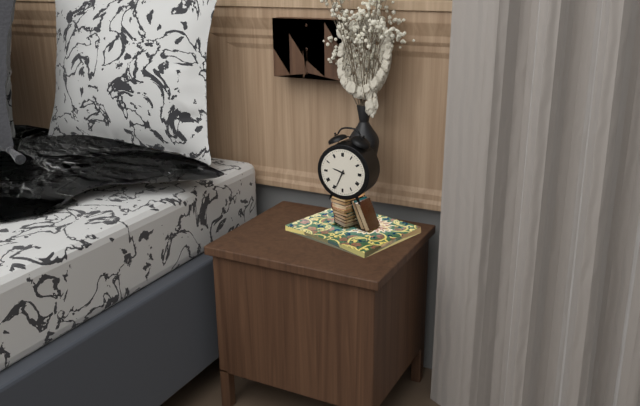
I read {"hour": 9, "minute": 34}
